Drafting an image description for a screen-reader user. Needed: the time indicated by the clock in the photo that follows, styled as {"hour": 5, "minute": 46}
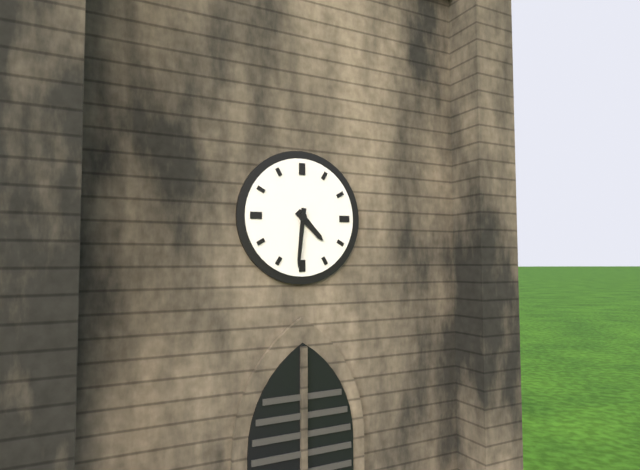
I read {"hour": 4, "minute": 31}
